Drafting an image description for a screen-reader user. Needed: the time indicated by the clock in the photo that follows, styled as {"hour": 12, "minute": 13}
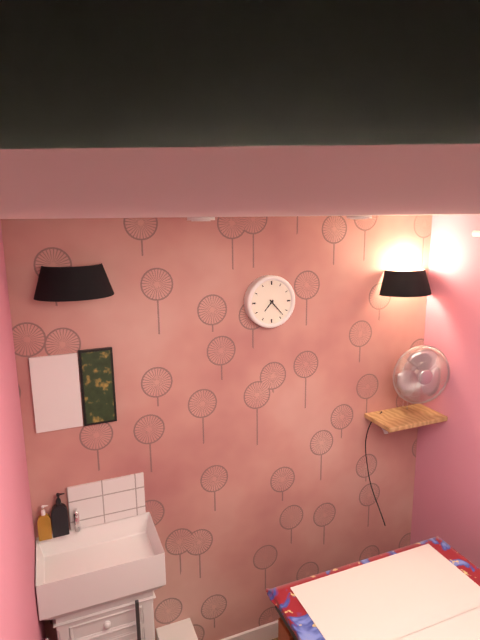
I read {"hour": 7, "minute": 23}
